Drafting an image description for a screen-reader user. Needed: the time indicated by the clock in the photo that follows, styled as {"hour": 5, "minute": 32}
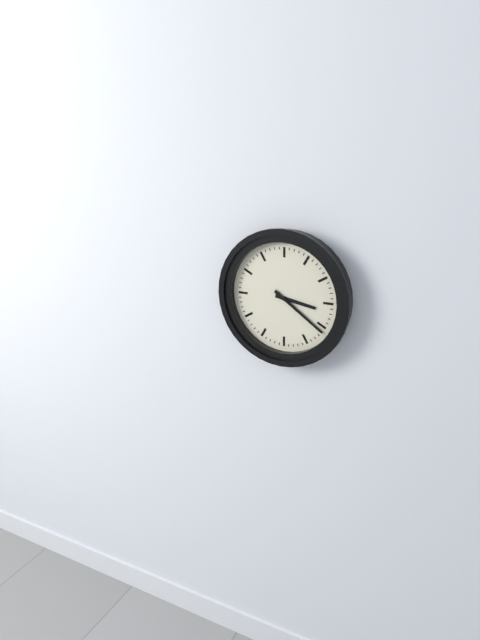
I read {"hour": 3, "minute": 21}
